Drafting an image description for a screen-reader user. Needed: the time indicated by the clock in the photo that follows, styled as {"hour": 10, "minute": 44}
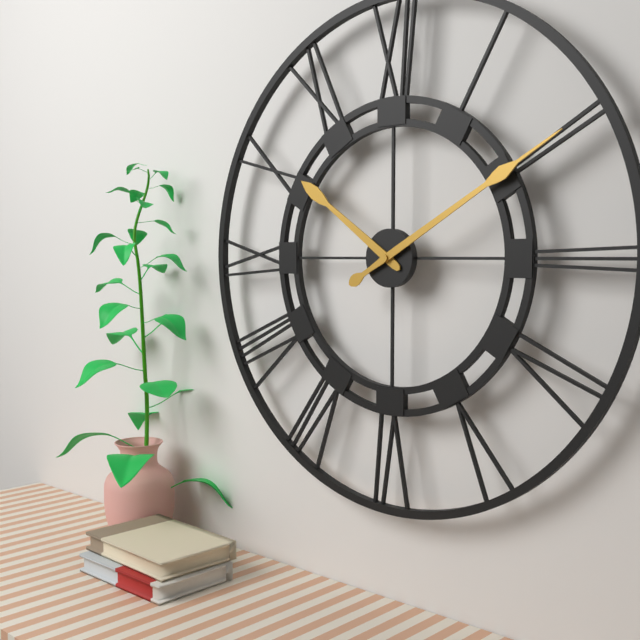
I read {"hour": 10, "minute": 10}
